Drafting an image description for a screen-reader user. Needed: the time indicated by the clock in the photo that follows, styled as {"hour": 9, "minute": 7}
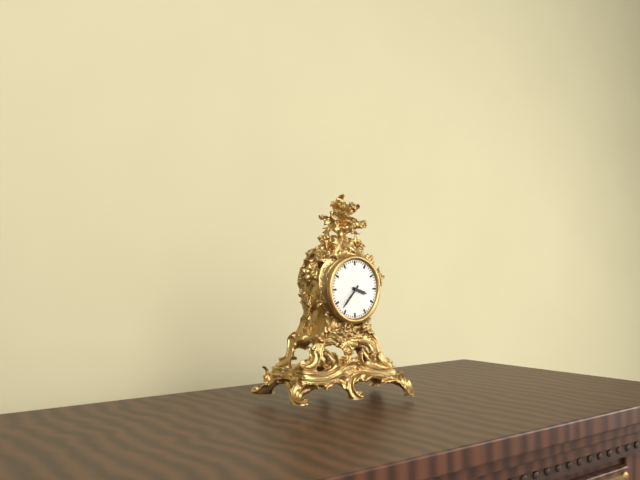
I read {"hour": 3, "minute": 37}
